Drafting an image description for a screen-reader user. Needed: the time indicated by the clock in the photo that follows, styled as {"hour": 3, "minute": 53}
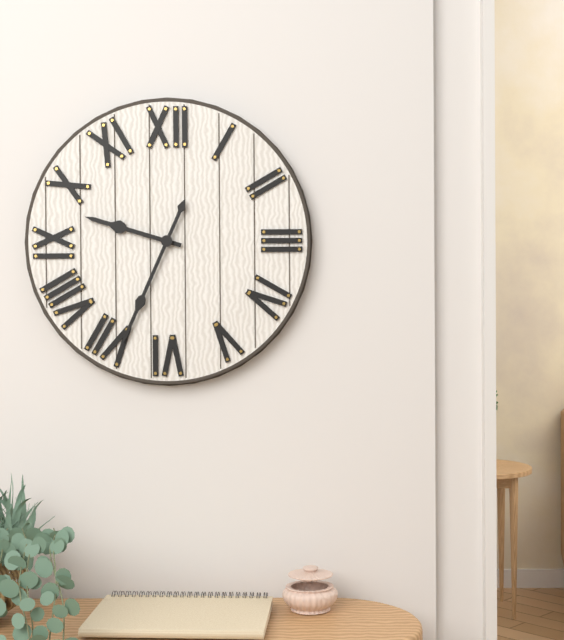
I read {"hour": 9, "minute": 34}
